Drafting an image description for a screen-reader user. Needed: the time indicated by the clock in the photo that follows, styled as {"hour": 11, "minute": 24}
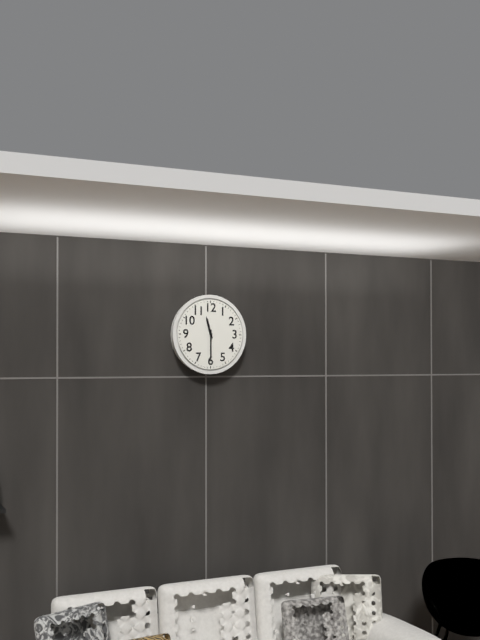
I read {"hour": 11, "minute": 30}
